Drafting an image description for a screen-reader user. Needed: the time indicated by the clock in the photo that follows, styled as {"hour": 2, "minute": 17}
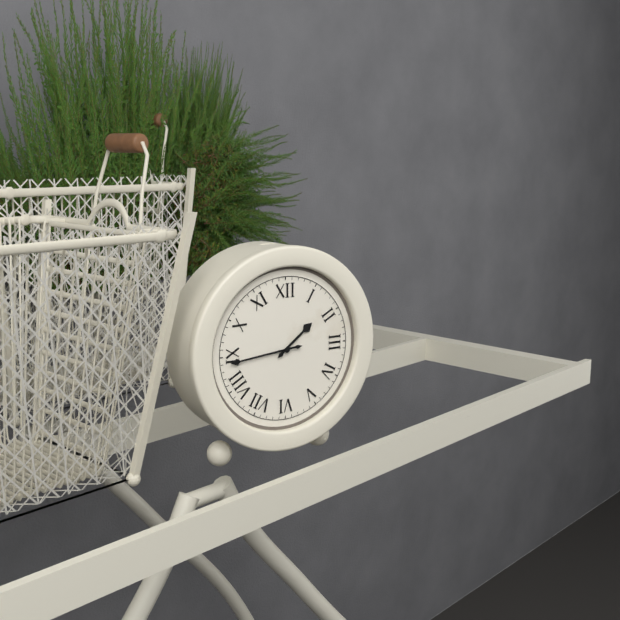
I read {"hour": 1, "minute": 44}
